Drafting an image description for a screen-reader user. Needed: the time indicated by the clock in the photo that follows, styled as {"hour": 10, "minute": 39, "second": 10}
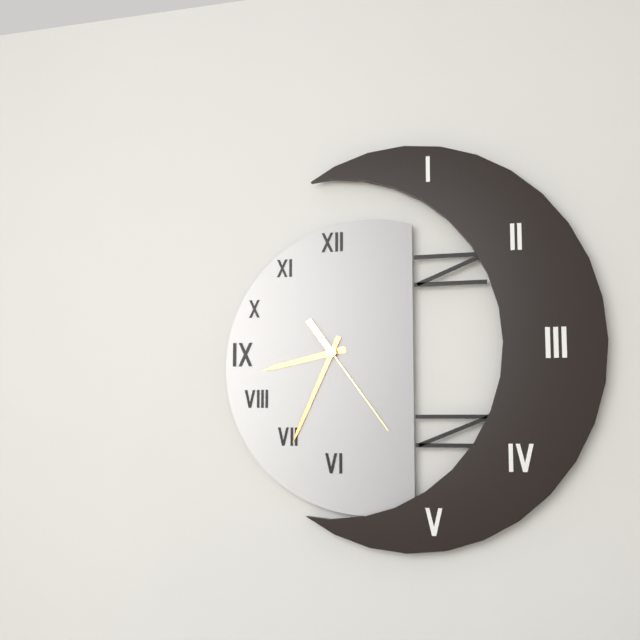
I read {"hour": 8, "minute": 34, "second": 24}
